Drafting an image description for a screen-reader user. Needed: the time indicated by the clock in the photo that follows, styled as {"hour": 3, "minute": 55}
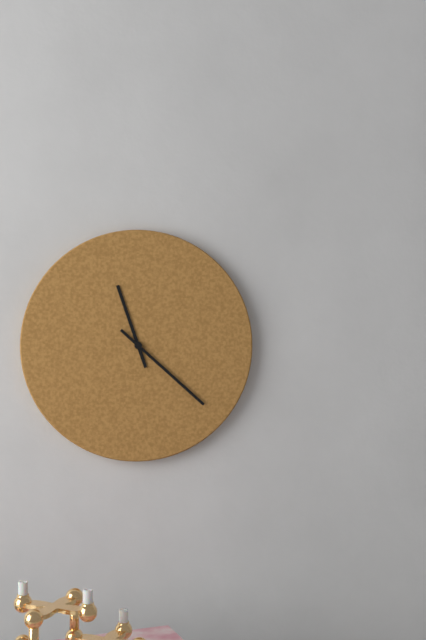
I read {"hour": 11, "minute": 22}
